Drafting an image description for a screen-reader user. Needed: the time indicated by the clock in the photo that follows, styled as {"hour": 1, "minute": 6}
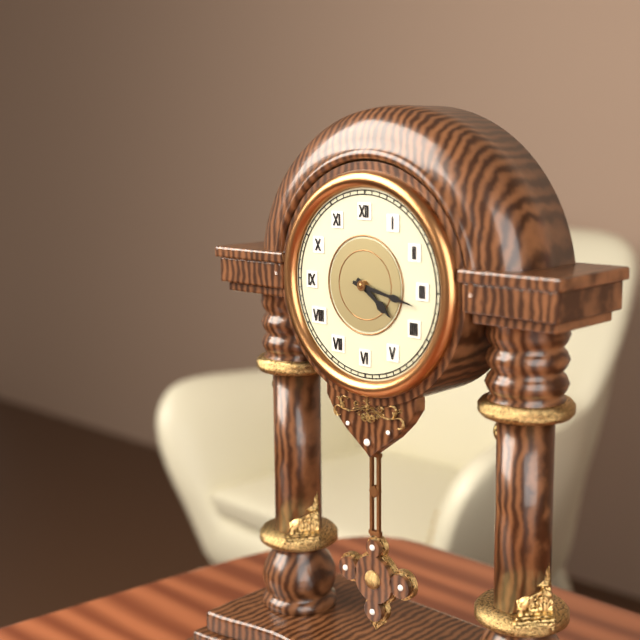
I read {"hour": 4, "minute": 17}
